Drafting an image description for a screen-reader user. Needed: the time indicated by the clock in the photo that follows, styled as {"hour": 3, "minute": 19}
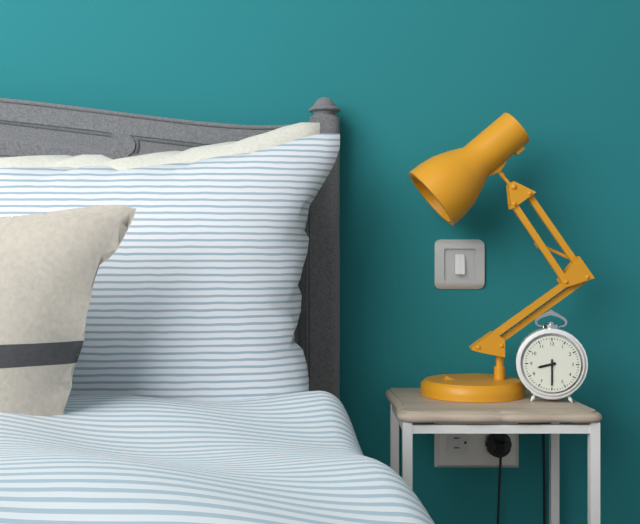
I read {"hour": 8, "minute": 30}
